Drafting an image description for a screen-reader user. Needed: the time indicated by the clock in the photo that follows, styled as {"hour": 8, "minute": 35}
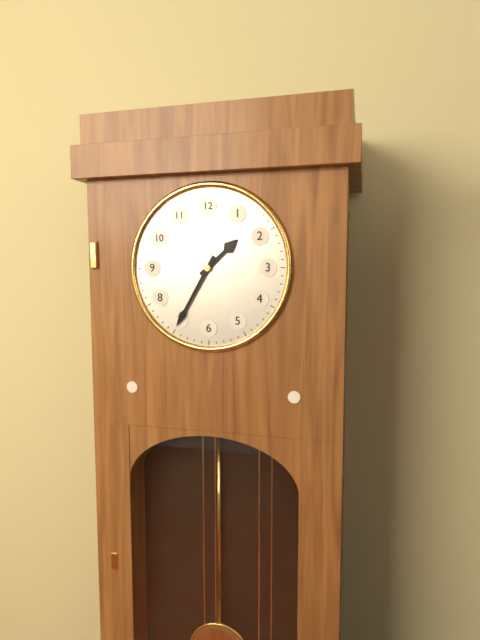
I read {"hour": 1, "minute": 35}
